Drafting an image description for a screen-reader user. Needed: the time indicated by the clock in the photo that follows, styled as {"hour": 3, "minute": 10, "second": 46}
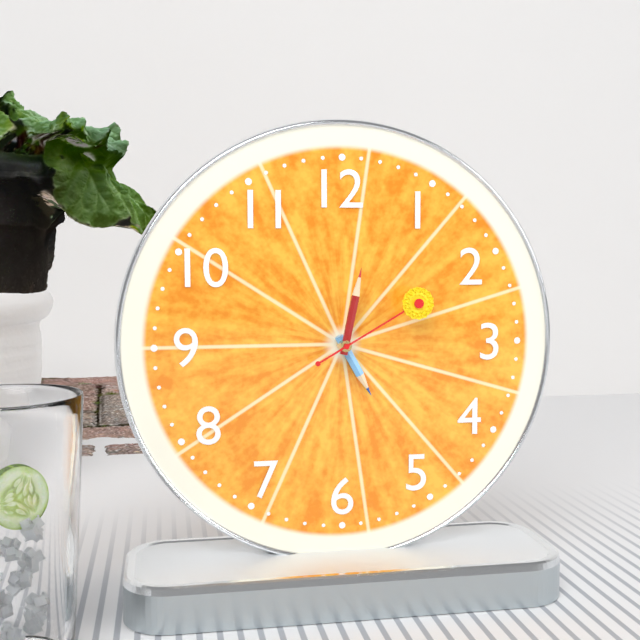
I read {"hour": 5, "minute": 2, "second": 10}
